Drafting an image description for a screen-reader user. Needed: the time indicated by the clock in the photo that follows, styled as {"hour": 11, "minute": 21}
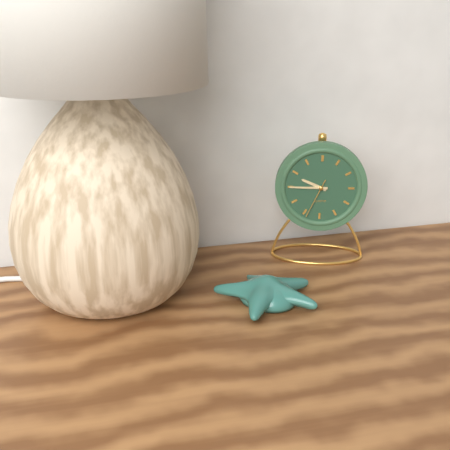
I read {"hour": 9, "minute": 45}
